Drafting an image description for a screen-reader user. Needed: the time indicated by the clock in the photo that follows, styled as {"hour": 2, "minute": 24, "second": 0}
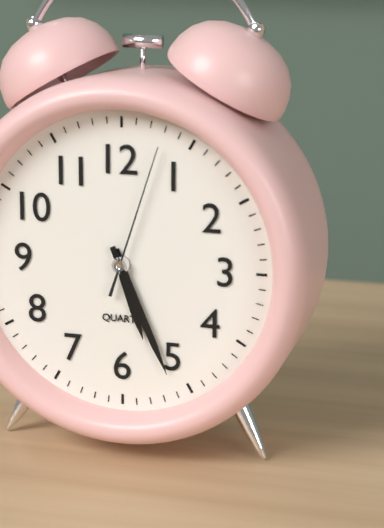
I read {"hour": 5, "minute": 26, "second": 3}
